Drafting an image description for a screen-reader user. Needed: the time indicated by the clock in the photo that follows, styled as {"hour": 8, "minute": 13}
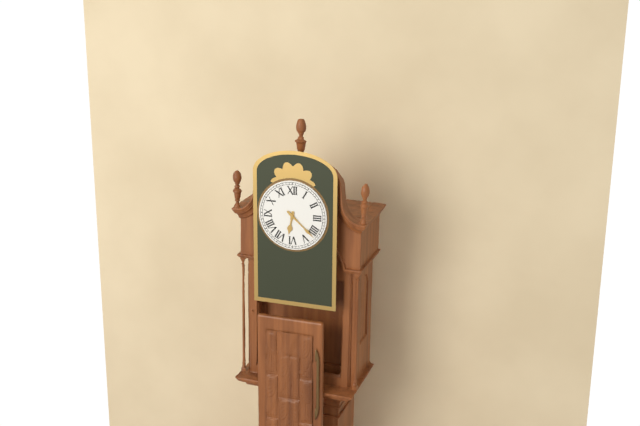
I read {"hour": 6, "minute": 22}
